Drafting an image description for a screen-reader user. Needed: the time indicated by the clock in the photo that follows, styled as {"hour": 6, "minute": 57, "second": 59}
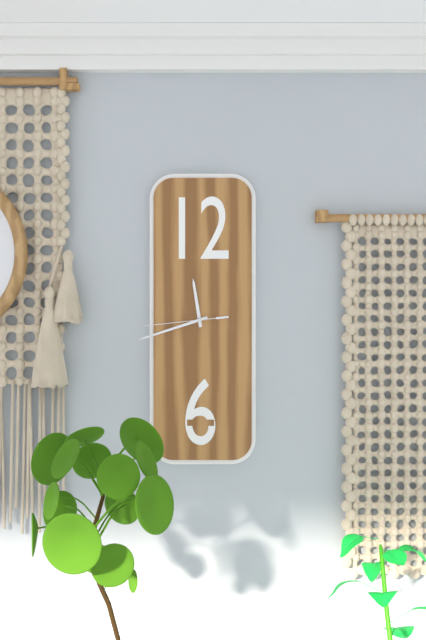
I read {"hour": 11, "minute": 42, "second": 44}
